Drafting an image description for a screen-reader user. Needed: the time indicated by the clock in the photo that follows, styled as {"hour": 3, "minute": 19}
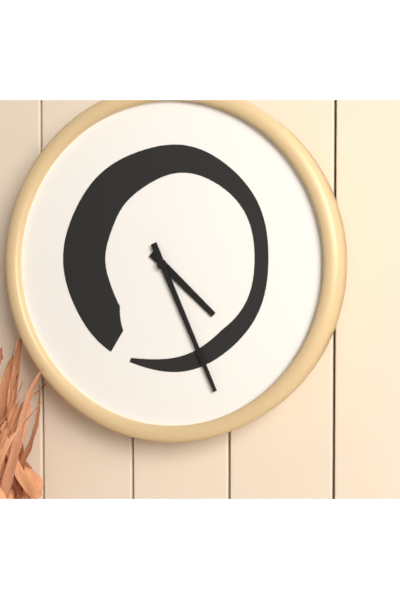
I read {"hour": 4, "minute": 26}
